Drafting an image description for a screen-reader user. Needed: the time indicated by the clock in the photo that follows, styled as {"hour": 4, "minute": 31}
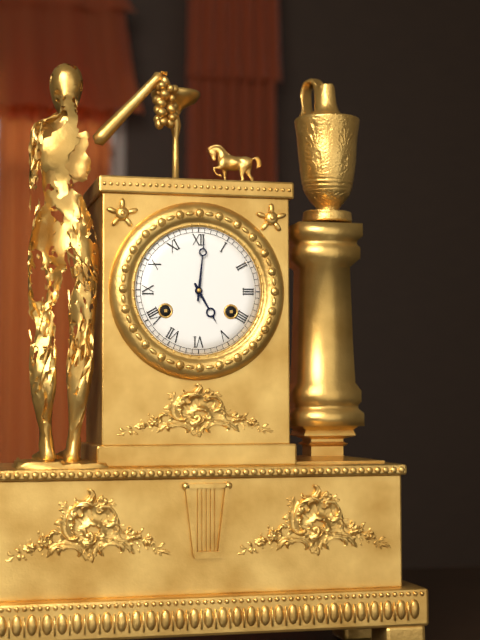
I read {"hour": 5, "minute": 1}
